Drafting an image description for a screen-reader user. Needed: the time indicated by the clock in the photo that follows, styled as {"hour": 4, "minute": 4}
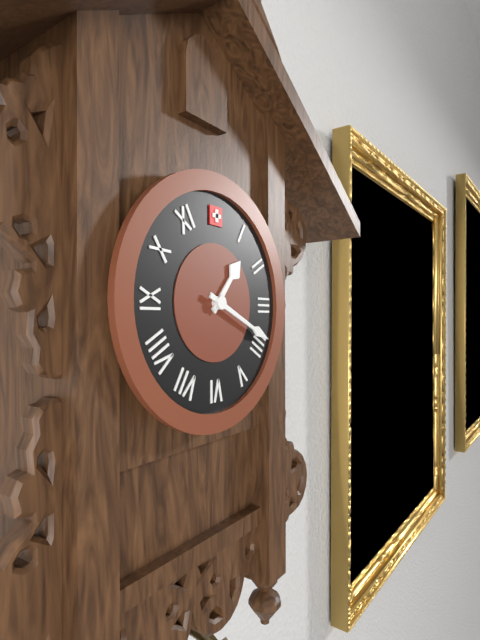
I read {"hour": 1, "minute": 19}
